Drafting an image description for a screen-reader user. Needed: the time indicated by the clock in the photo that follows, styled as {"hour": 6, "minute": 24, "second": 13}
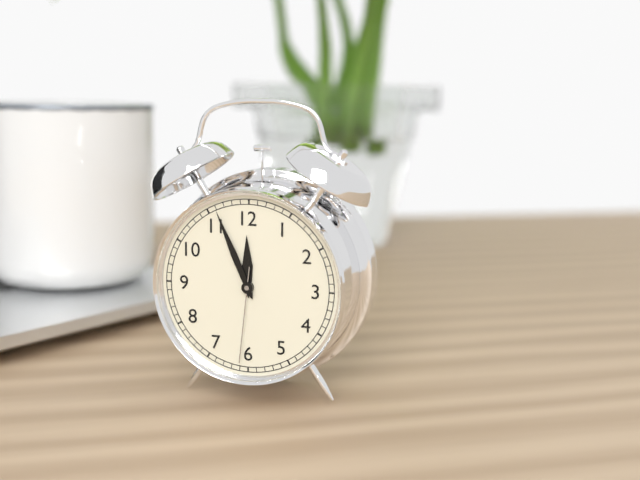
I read {"hour": 11, "minute": 56, "second": 31}
